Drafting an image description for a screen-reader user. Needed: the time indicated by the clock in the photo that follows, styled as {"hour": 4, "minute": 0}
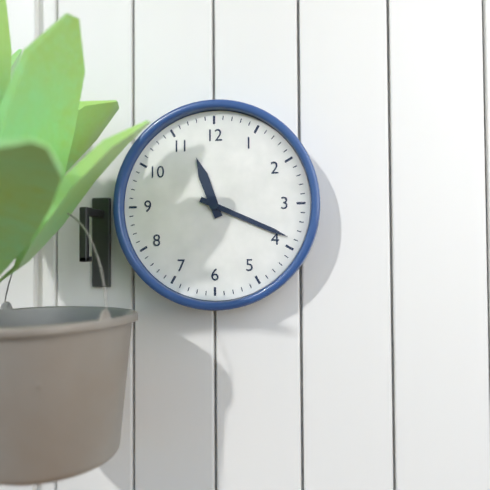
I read {"hour": 11, "minute": 19}
